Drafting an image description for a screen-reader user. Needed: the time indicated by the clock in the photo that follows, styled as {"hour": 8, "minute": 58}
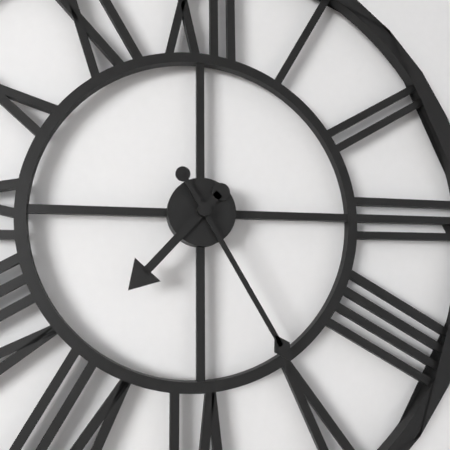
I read {"hour": 7, "minute": 25}
